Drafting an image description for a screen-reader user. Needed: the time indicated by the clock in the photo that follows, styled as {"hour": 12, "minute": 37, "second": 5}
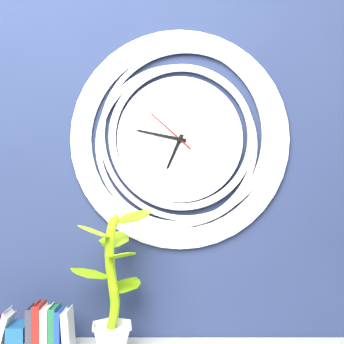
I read {"hour": 6, "minute": 47, "second": 52}
